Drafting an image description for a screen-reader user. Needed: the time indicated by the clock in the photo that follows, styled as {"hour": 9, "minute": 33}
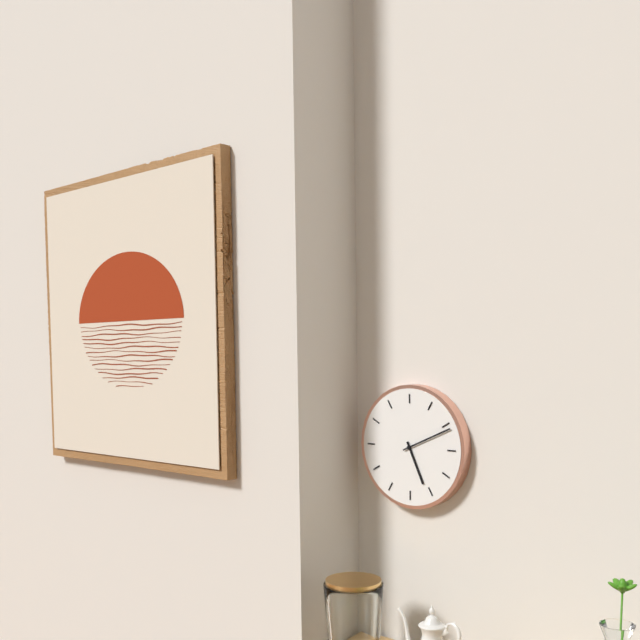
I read {"hour": 5, "minute": 11}
